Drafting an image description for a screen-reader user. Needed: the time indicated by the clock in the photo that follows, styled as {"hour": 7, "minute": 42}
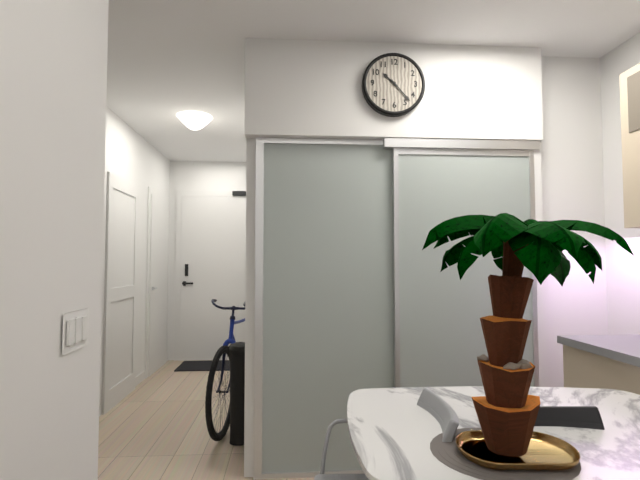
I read {"hour": 10, "minute": 23}
